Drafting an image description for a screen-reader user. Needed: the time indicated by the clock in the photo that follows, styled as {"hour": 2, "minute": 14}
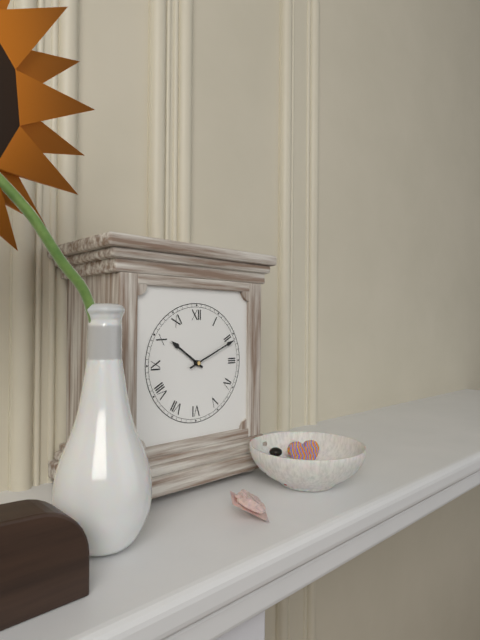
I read {"hour": 10, "minute": 11}
